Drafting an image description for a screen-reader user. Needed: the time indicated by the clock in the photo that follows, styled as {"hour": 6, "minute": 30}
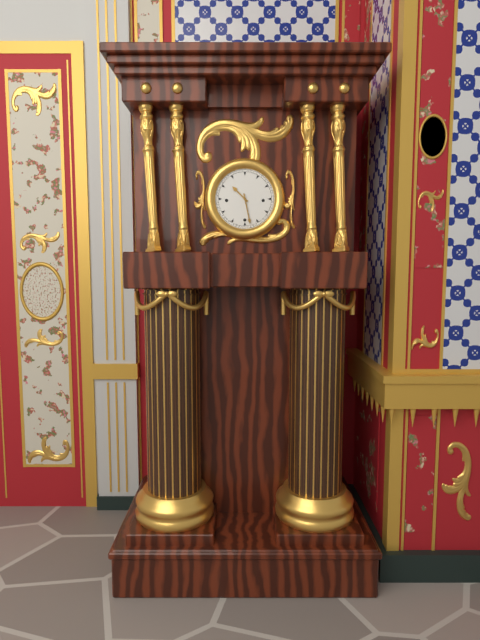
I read {"hour": 10, "minute": 28}
